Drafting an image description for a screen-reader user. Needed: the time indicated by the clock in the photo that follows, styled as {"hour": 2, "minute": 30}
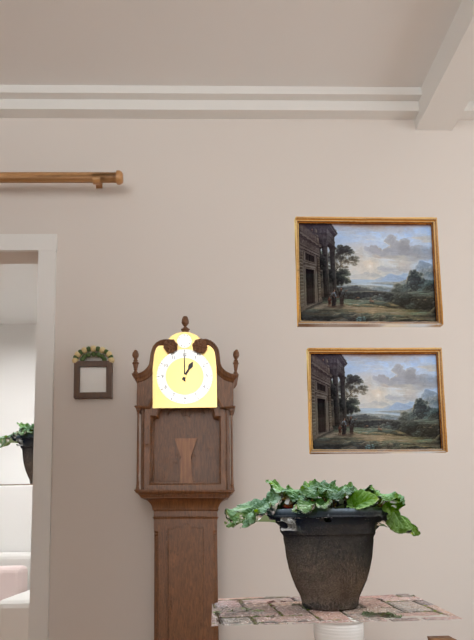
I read {"hour": 1, "minute": 0}
